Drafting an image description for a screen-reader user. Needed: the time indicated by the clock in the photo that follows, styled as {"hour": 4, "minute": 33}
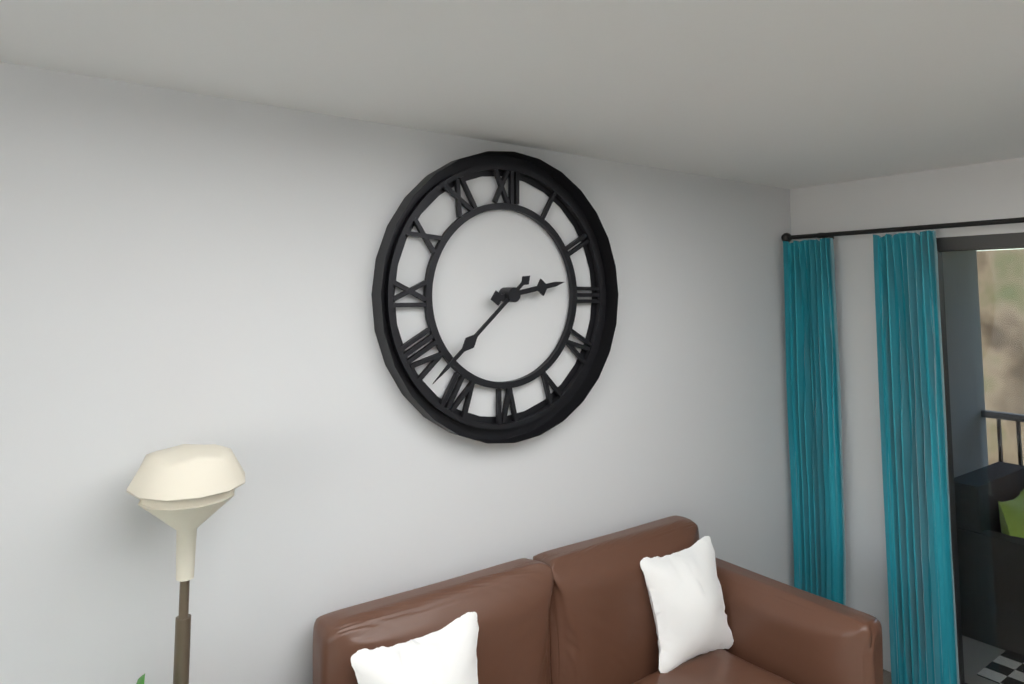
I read {"hour": 2, "minute": 38}
